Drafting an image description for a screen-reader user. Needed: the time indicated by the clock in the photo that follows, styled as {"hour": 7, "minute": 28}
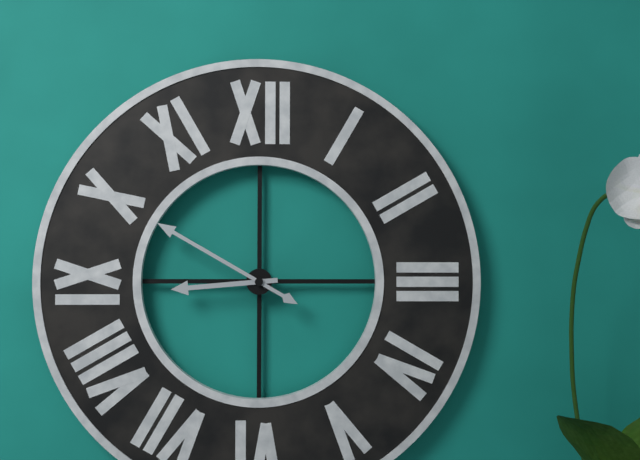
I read {"hour": 8, "minute": 50}
